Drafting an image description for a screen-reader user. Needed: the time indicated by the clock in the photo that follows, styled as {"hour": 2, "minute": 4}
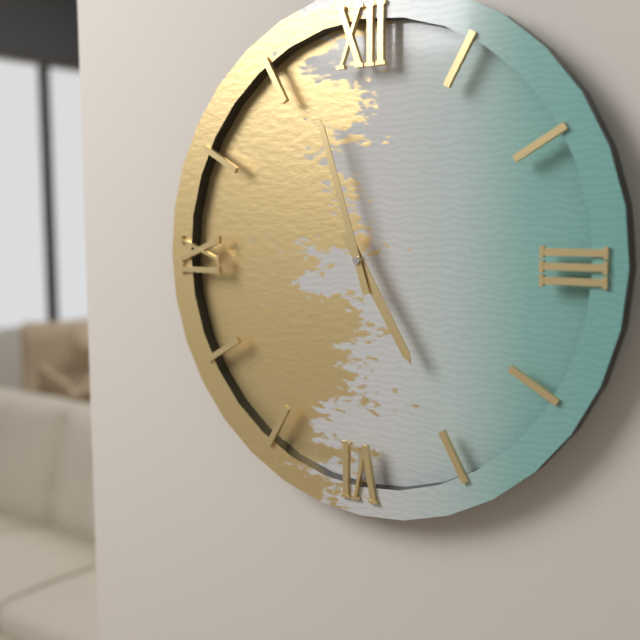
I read {"hour": 4, "minute": 57}
